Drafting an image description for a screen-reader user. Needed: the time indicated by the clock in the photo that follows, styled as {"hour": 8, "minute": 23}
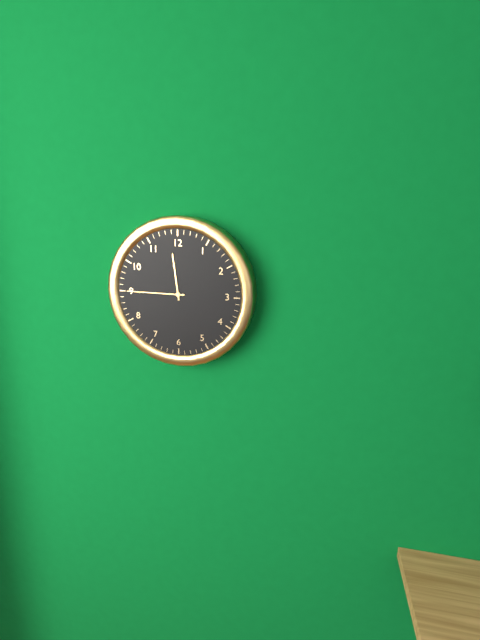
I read {"hour": 11, "minute": 45}
